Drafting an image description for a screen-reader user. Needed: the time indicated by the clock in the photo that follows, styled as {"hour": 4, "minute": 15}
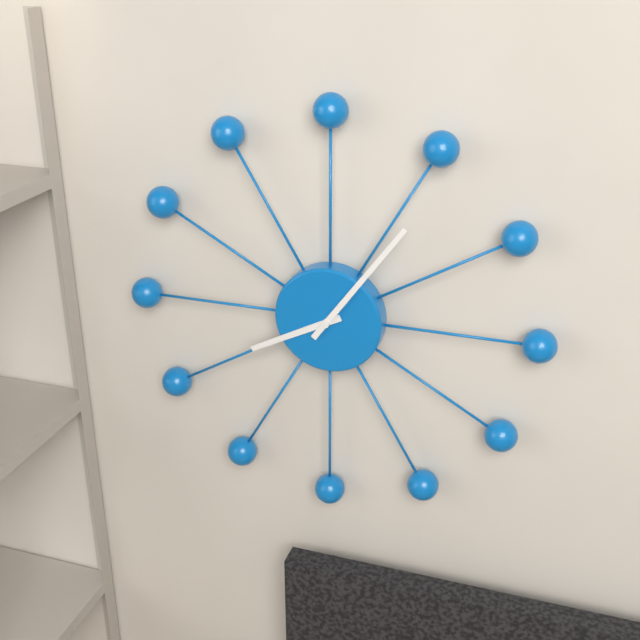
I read {"hour": 8, "minute": 6}
